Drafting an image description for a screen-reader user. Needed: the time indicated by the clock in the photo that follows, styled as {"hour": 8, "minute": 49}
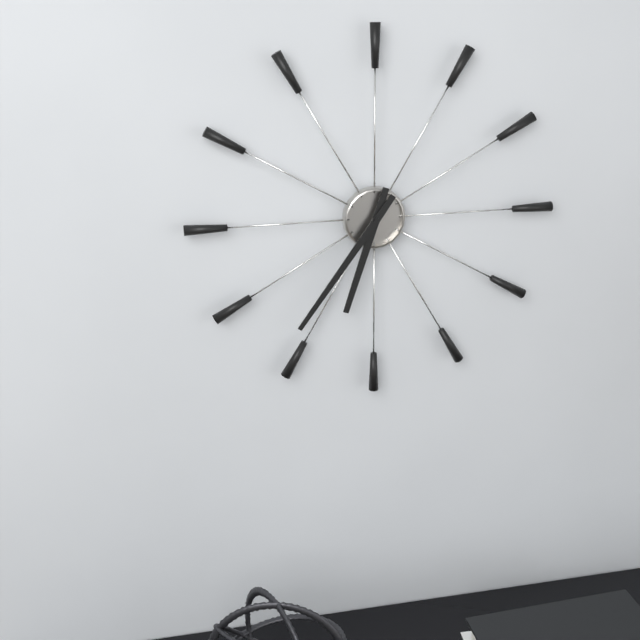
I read {"hour": 6, "minute": 36}
